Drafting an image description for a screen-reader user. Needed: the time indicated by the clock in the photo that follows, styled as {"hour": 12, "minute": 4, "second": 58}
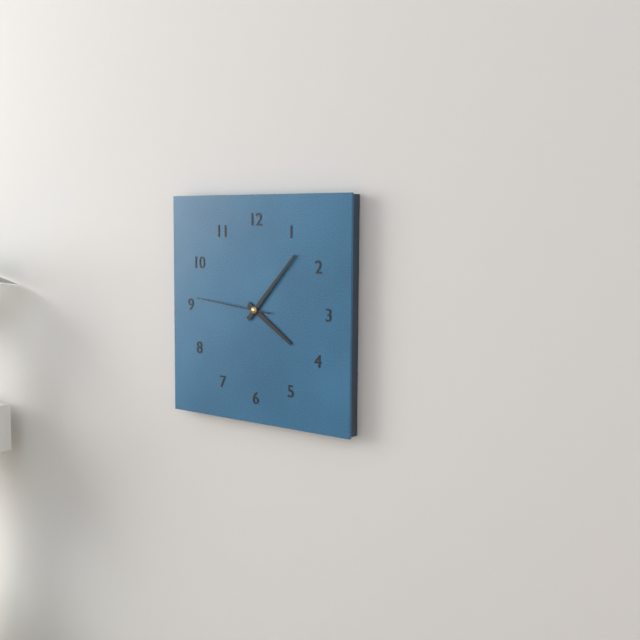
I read {"hour": 4, "minute": 7, "second": 46}
